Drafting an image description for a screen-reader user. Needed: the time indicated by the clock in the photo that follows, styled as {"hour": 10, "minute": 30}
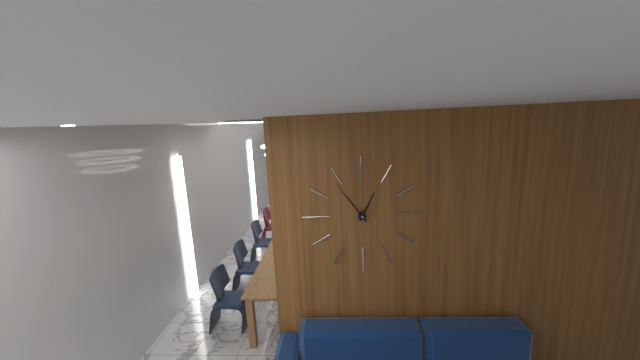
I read {"hour": 12, "minute": 54}
